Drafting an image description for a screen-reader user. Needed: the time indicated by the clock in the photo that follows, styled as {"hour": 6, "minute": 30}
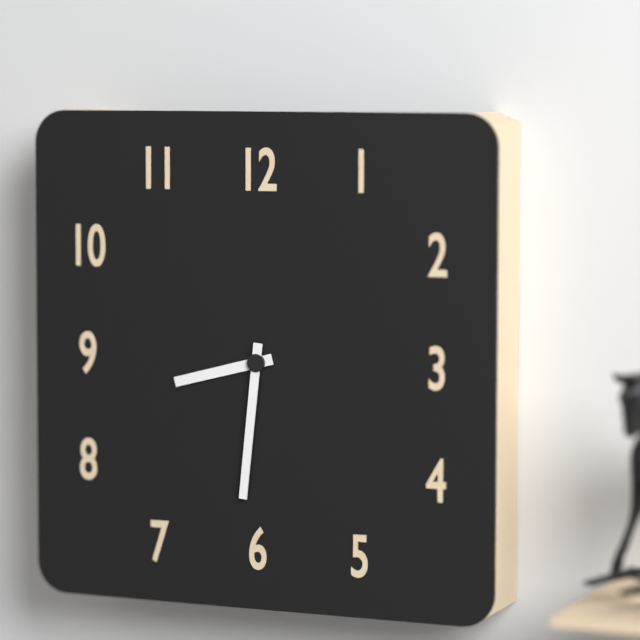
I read {"hour": 8, "minute": 31}
